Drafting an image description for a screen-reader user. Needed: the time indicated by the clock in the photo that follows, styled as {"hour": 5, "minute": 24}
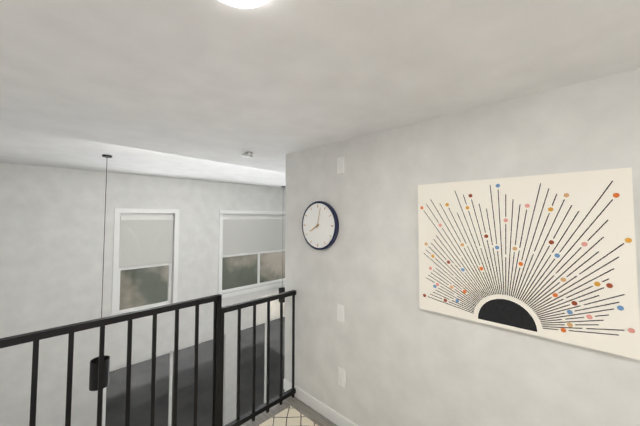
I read {"hour": 8, "minute": 2}
